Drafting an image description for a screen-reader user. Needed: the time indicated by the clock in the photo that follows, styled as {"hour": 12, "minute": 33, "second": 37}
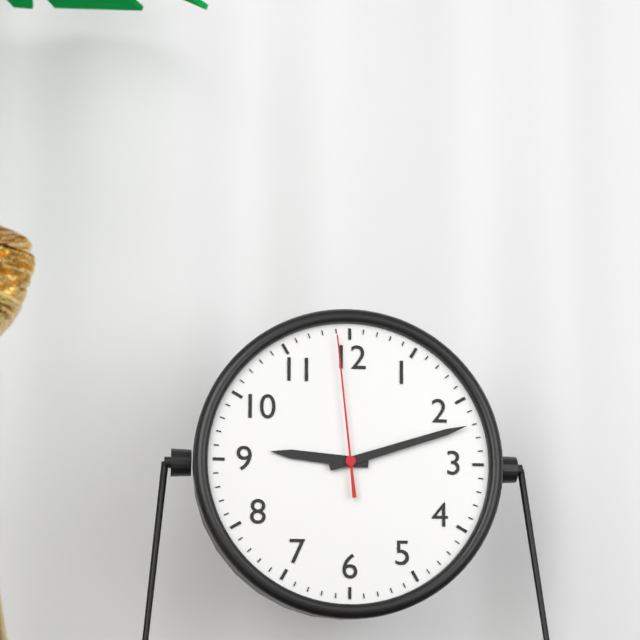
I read {"hour": 9, "minute": 12, "second": 59}
